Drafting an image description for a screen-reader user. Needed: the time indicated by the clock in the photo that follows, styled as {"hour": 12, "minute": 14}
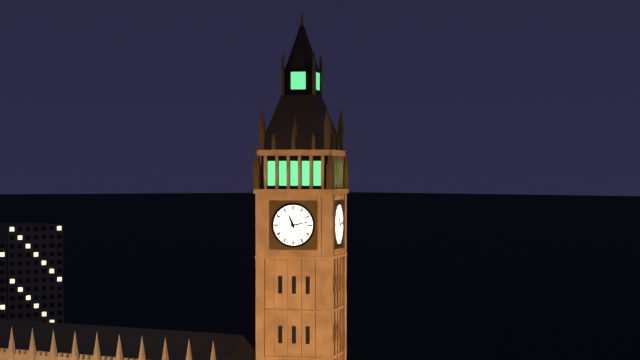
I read {"hour": 11, "minute": 13}
